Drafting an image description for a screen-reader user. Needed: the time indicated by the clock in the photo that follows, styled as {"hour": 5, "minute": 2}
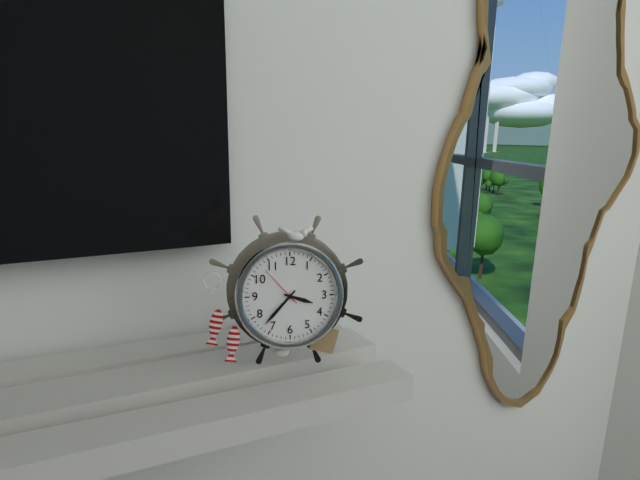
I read {"hour": 3, "minute": 37}
